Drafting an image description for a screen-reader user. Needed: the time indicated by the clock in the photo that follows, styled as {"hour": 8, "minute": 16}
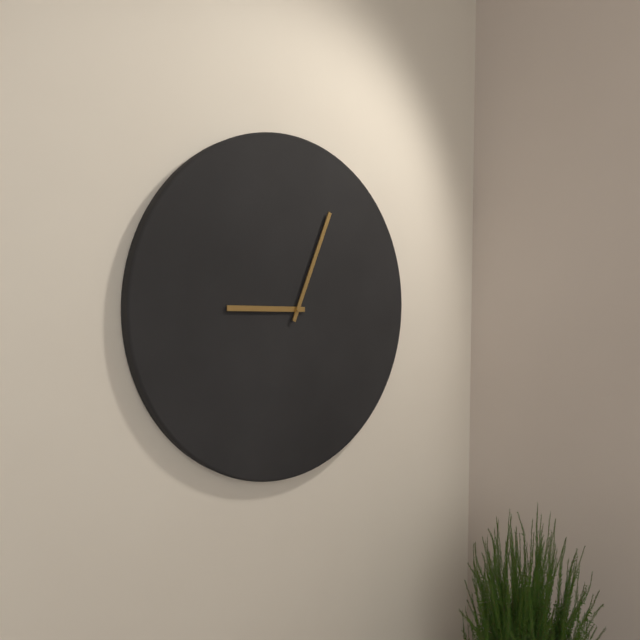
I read {"hour": 9, "minute": 4}
